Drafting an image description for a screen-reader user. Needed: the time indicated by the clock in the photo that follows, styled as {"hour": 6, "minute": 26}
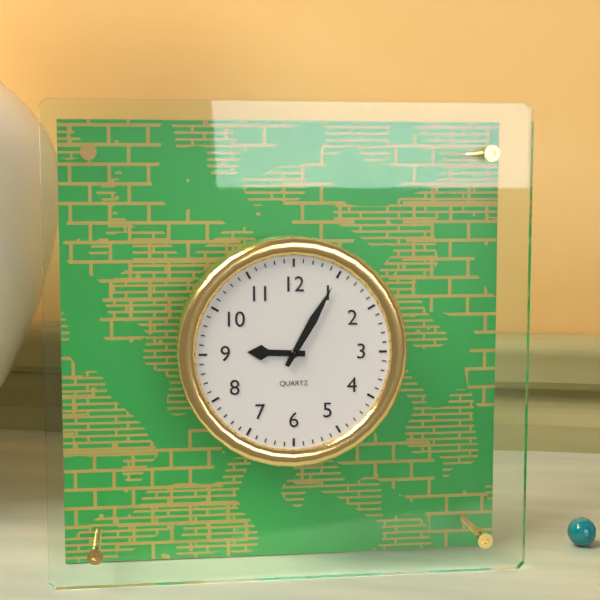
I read {"hour": 9, "minute": 5}
